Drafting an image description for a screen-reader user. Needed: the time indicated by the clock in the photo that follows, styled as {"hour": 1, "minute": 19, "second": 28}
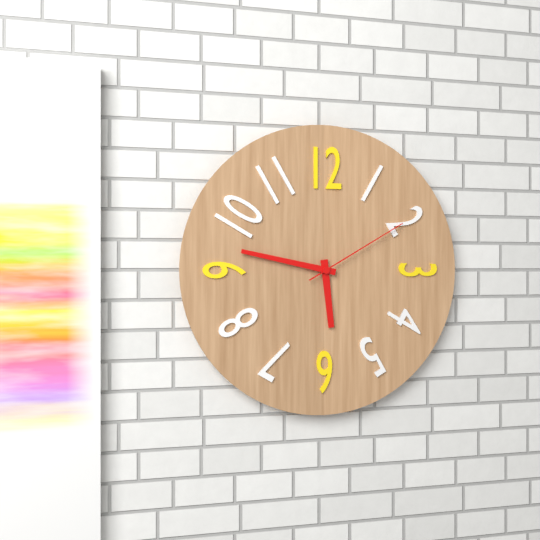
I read {"hour": 5, "minute": 47, "second": 10}
